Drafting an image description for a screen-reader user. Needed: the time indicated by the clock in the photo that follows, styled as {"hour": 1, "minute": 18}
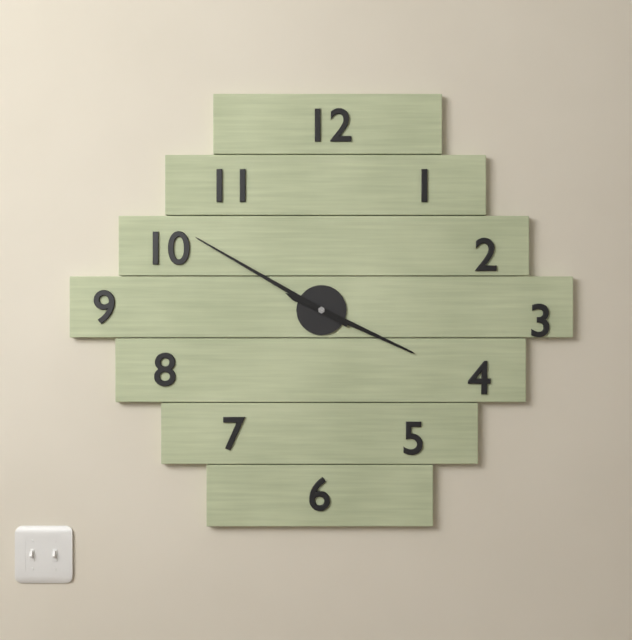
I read {"hour": 3, "minute": 50}
